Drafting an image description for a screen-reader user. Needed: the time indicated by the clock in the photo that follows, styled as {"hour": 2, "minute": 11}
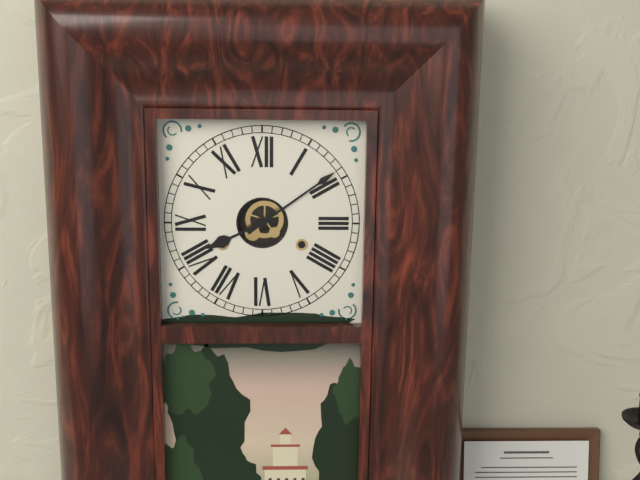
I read {"hour": 8, "minute": 9}
